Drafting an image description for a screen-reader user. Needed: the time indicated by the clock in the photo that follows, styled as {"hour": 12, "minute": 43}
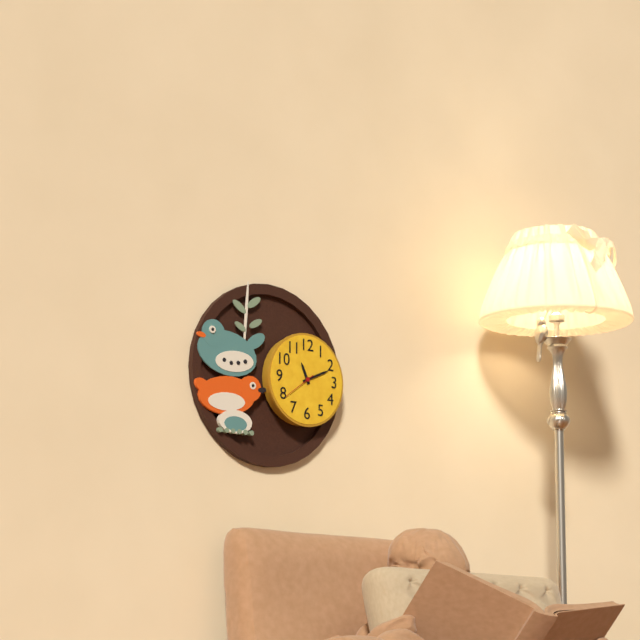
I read {"hour": 11, "minute": 11}
